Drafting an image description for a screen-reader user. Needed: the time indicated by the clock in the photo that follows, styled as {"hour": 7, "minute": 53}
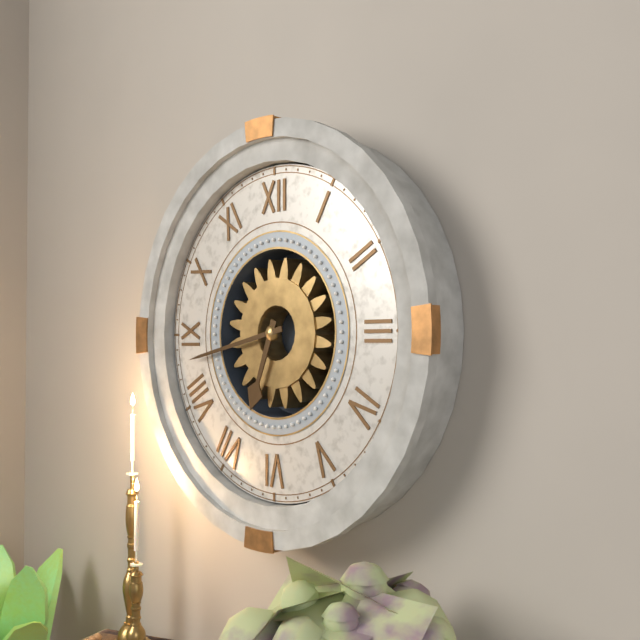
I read {"hour": 6, "minute": 43}
